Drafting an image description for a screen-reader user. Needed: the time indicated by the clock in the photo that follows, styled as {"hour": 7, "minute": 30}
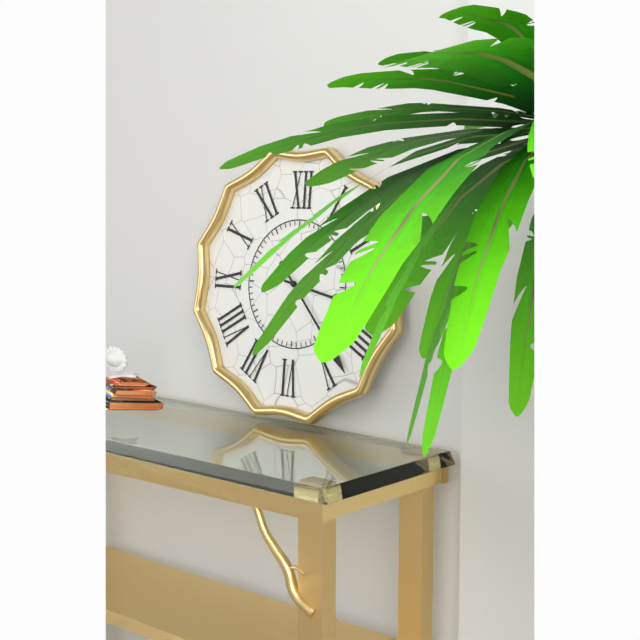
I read {"hour": 3, "minute": 23}
